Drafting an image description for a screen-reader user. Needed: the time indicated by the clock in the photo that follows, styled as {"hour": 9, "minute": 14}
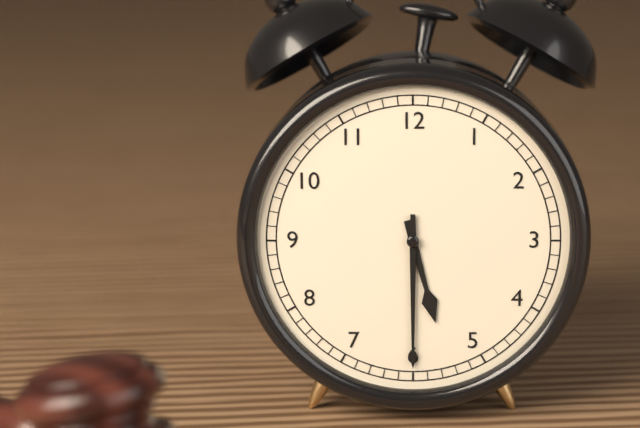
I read {"hour": 5, "minute": 30}
